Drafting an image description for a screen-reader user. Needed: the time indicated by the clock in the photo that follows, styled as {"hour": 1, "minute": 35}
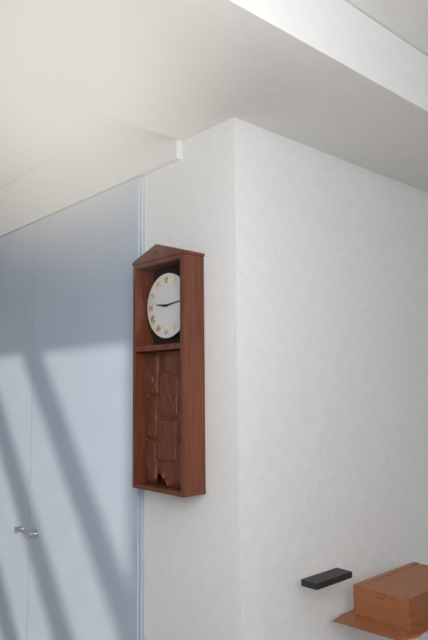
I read {"hour": 9, "minute": 14}
